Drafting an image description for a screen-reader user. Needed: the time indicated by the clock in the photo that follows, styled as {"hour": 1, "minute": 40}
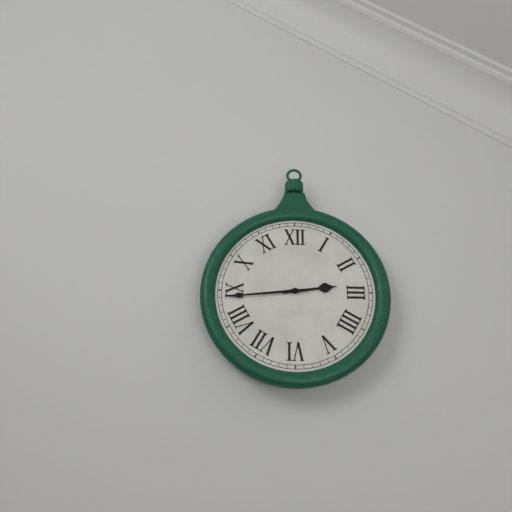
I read {"hour": 2, "minute": 44}
